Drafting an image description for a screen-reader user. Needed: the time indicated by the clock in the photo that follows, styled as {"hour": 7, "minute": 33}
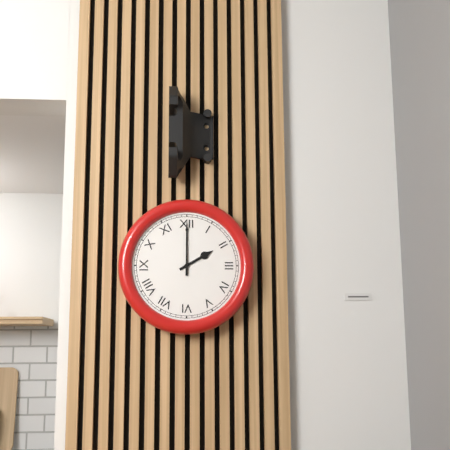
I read {"hour": 2, "minute": 0}
